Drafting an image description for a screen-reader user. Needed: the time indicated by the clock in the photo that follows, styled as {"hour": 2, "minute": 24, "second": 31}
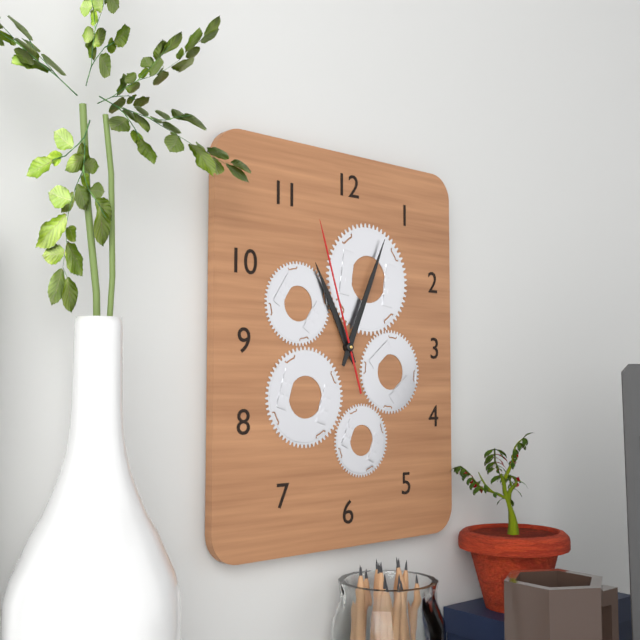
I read {"hour": 11, "minute": 4, "second": 57}
